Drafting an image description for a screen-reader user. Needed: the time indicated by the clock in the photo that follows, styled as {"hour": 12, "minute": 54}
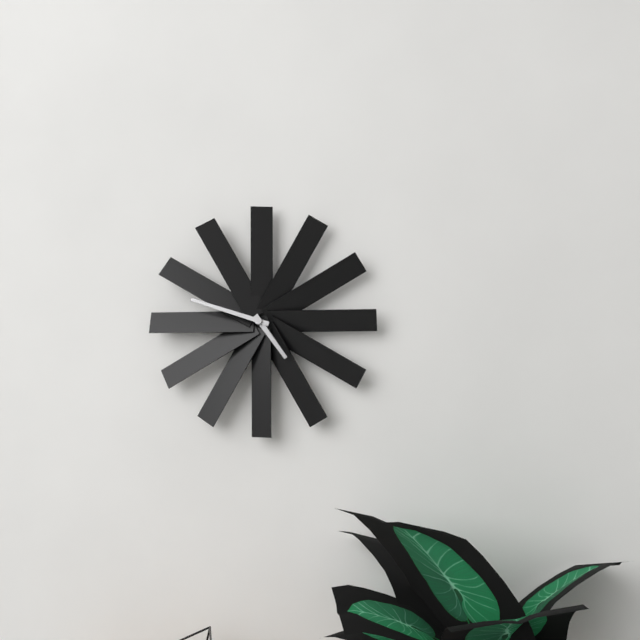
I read {"hour": 4, "minute": 48}
